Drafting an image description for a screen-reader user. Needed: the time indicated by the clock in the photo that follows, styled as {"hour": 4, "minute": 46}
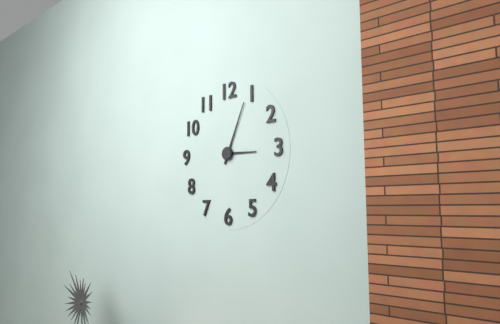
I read {"hour": 3, "minute": 4}
